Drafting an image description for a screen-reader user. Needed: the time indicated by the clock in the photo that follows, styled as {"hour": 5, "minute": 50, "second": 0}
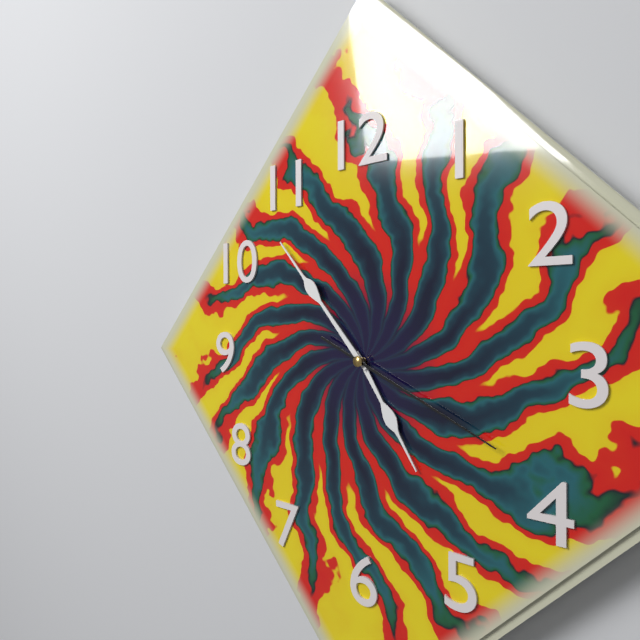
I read {"hour": 4, "minute": 53, "second": 19}
